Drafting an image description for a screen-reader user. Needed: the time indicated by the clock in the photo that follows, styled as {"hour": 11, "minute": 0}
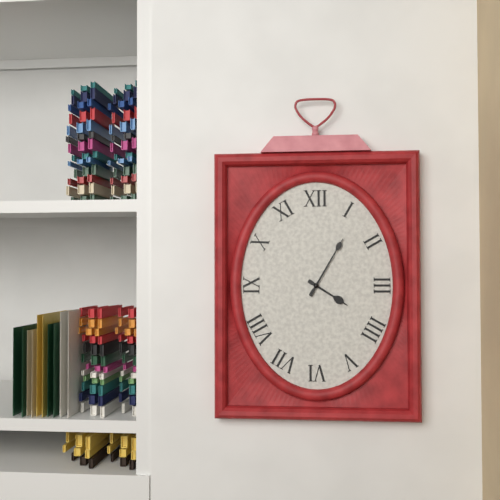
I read {"hour": 4, "minute": 5}
